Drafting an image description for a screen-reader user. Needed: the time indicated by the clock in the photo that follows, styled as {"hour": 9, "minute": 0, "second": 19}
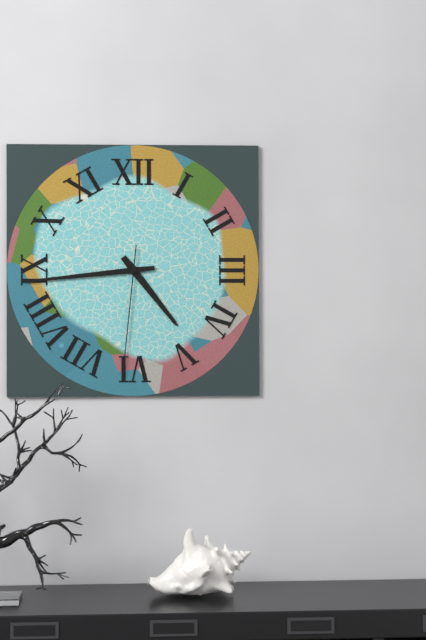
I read {"hour": 4, "minute": 44, "second": 31}
